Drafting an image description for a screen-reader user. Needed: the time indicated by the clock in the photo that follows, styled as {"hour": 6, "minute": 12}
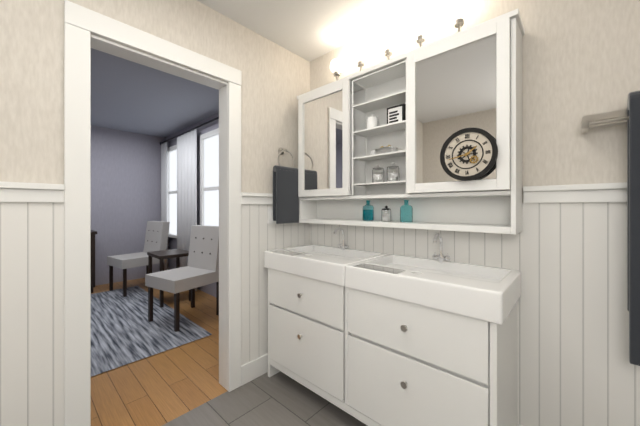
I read {"hour": 1, "minute": 43}
